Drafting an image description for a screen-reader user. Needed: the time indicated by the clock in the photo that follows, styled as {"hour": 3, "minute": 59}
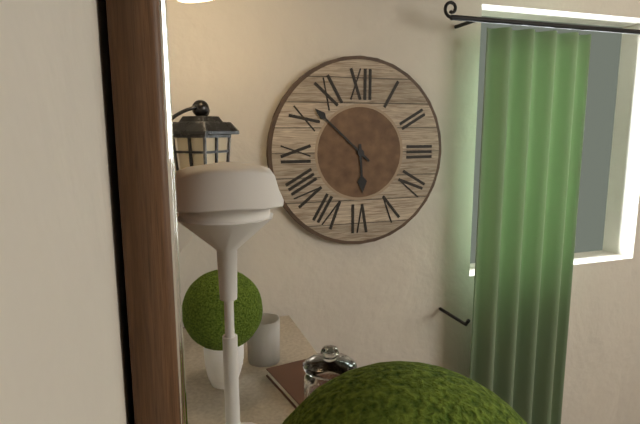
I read {"hour": 5, "minute": 52}
